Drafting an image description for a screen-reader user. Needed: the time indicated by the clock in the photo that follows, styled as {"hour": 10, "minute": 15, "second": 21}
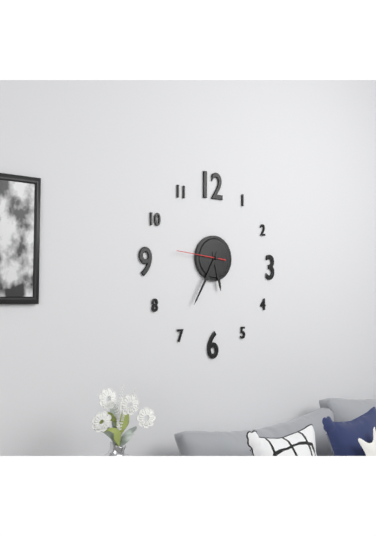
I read {"hour": 5, "minute": 35, "second": 46}
